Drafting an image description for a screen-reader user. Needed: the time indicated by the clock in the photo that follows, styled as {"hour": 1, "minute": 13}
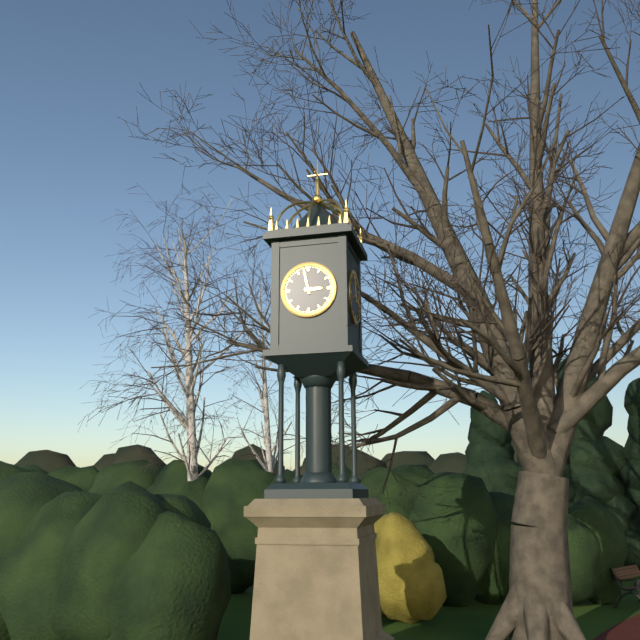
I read {"hour": 2, "minute": 58}
